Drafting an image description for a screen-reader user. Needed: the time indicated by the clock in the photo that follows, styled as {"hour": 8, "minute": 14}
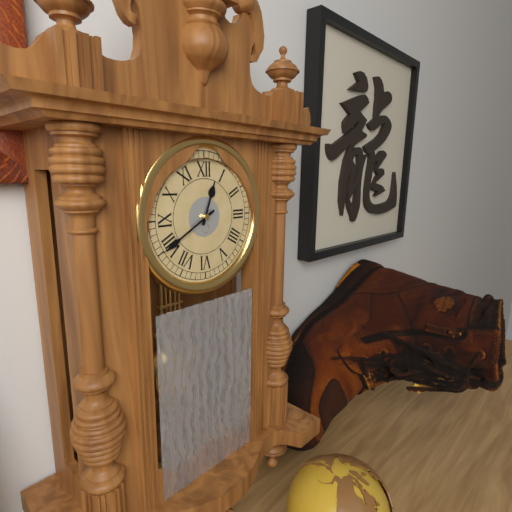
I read {"hour": 12, "minute": 40}
